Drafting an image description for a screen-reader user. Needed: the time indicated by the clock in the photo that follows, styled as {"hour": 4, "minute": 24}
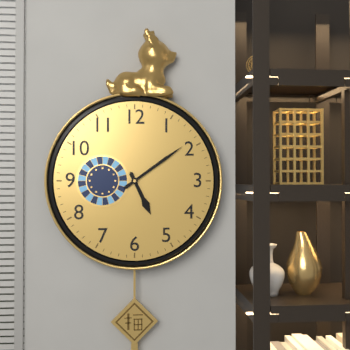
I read {"hour": 5, "minute": 9}
